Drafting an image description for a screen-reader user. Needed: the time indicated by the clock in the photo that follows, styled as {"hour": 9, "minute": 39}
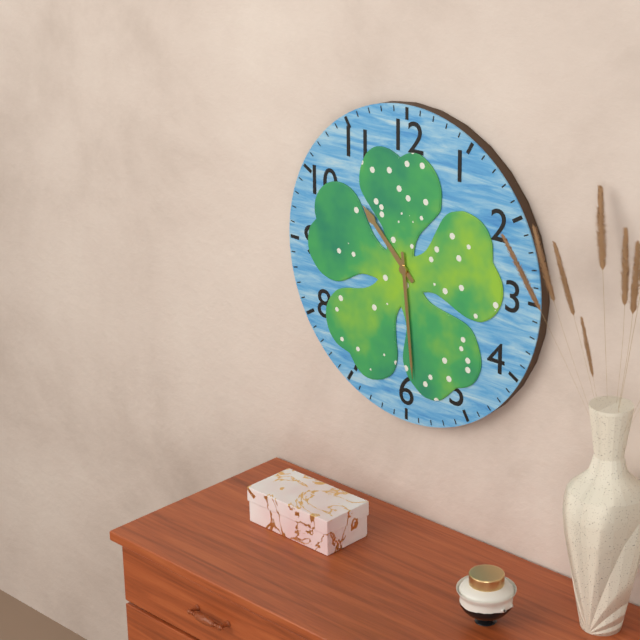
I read {"hour": 10, "minute": 29}
